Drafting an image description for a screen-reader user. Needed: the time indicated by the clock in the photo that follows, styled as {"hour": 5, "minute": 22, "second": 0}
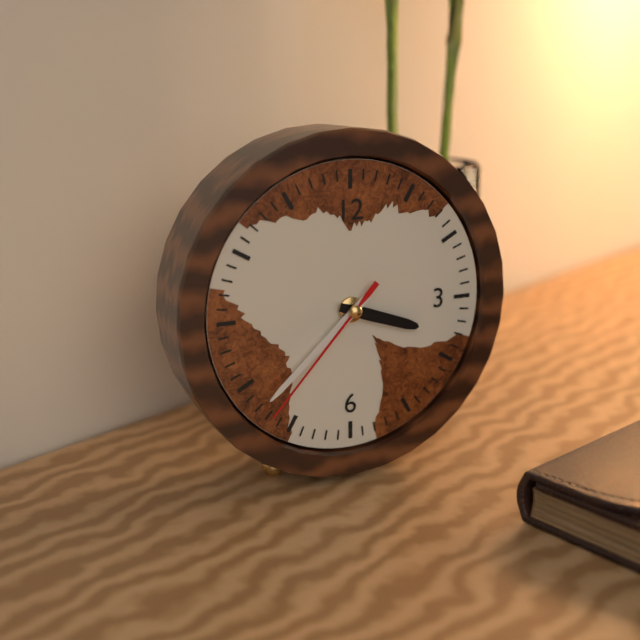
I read {"hour": 3, "minute": 38, "second": 37}
